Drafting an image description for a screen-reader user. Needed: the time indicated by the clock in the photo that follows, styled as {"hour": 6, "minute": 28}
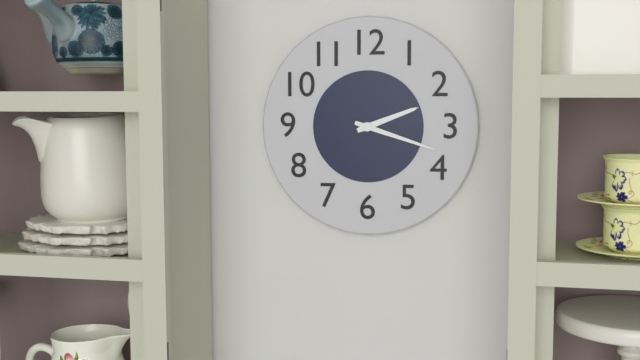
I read {"hour": 2, "minute": 18}
